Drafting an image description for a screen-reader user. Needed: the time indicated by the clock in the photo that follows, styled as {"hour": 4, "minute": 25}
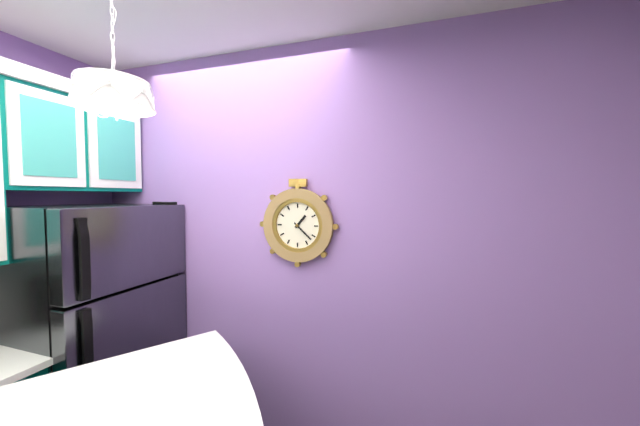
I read {"hour": 1, "minute": 22}
